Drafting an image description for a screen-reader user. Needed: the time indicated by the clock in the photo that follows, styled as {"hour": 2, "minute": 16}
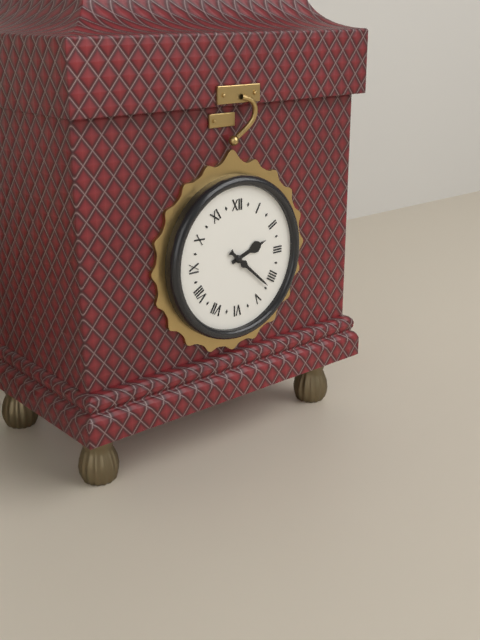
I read {"hour": 2, "minute": 22}
